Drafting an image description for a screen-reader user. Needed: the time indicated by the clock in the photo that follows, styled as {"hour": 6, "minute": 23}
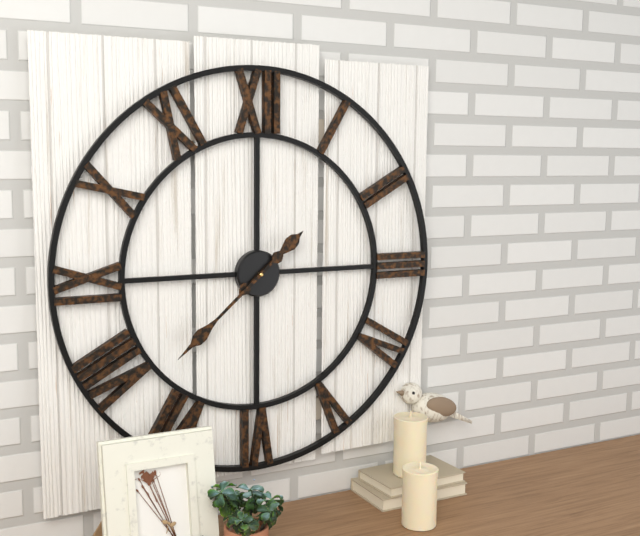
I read {"hour": 1, "minute": 38}
